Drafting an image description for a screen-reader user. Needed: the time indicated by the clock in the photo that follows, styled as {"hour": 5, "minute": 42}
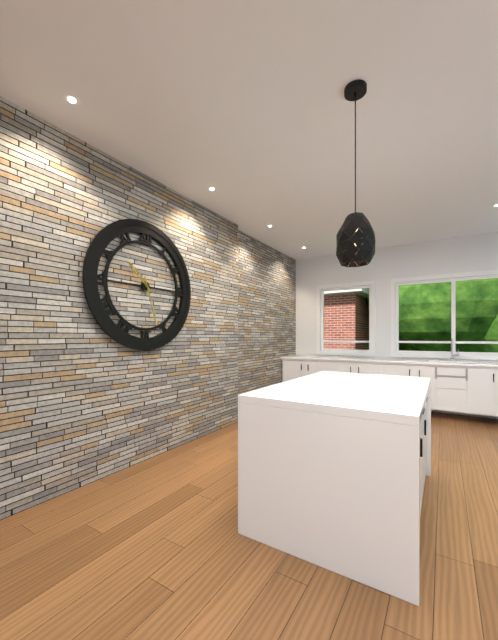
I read {"hour": 10, "minute": 27}
